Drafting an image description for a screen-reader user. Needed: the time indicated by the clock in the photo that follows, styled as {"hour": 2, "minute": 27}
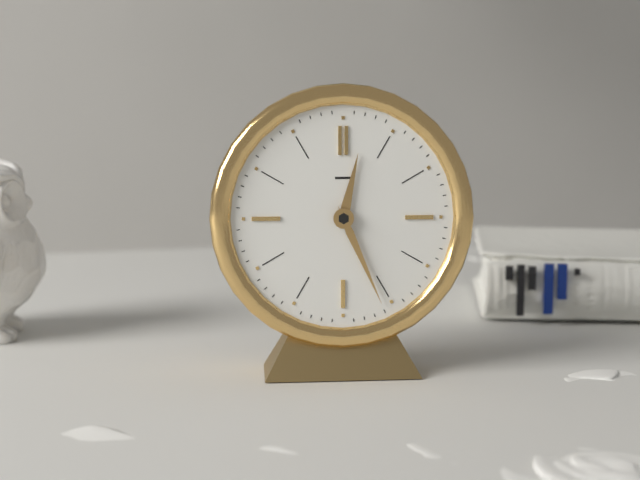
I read {"hour": 12, "minute": 26}
